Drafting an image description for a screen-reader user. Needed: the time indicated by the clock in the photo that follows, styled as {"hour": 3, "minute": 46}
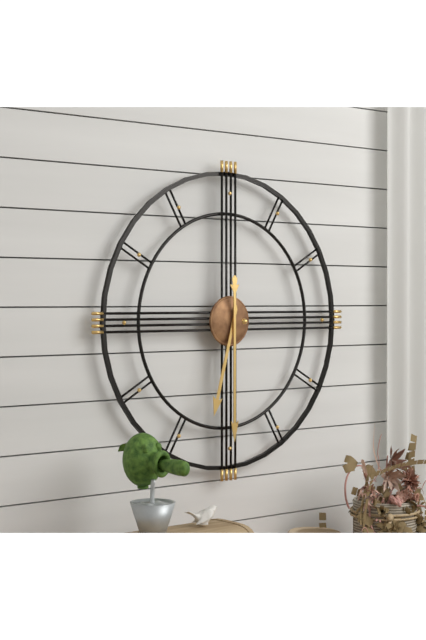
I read {"hour": 6, "minute": 30}
